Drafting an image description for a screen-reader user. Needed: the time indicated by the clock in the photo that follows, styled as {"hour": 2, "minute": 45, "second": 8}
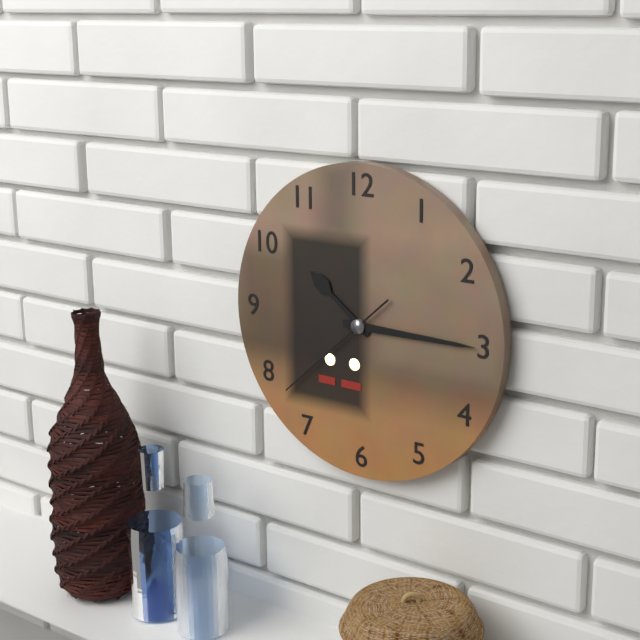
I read {"hour": 10, "minute": 15, "second": 38}
